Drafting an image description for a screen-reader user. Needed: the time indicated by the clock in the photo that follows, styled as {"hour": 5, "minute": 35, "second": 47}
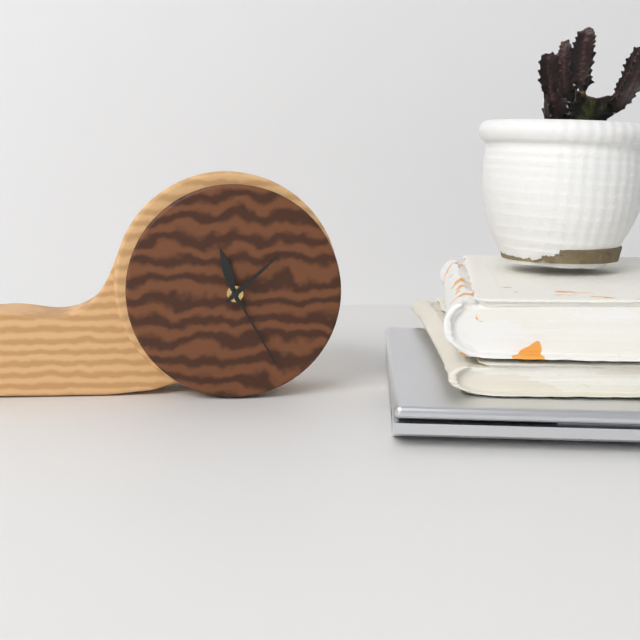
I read {"hour": 11, "minute": 25, "second": 8}
